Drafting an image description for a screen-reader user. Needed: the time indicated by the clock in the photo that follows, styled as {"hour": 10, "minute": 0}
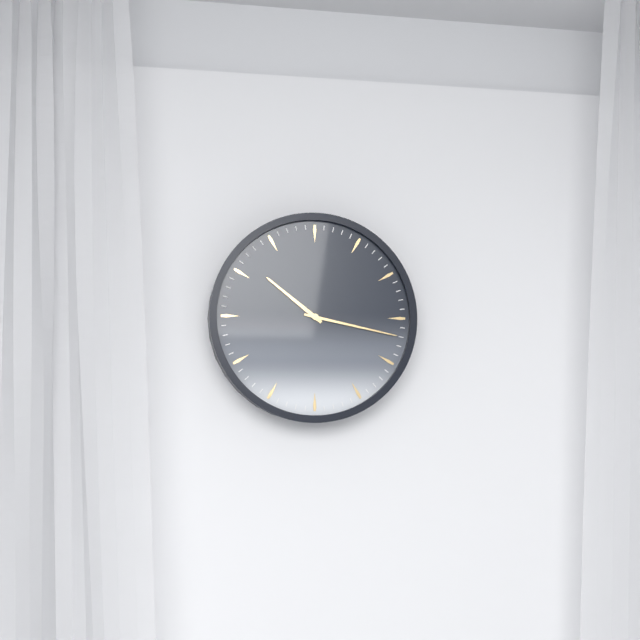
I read {"hour": 10, "minute": 17}
